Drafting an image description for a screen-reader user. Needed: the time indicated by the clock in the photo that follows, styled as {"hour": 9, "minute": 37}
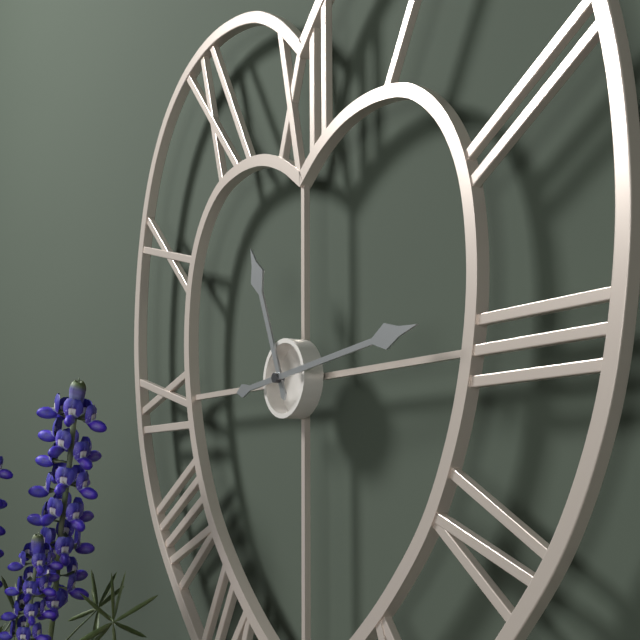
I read {"hour": 11, "minute": 14}
